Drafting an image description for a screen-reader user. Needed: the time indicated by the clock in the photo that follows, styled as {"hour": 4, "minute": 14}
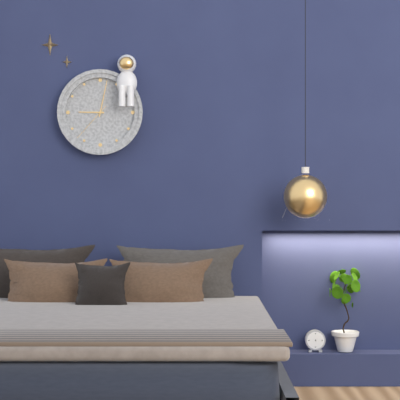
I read {"hour": 9, "minute": 2}
